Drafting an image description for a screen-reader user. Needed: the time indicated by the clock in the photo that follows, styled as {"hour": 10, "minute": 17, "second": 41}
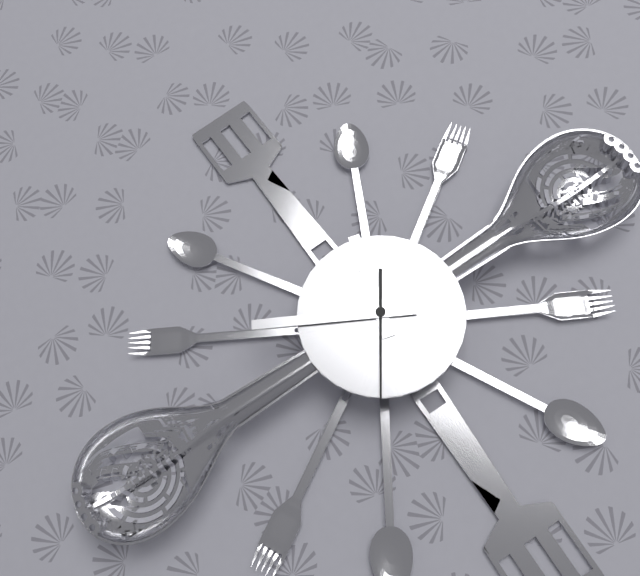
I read {"hour": 9, "minute": 35, "second": 21}
